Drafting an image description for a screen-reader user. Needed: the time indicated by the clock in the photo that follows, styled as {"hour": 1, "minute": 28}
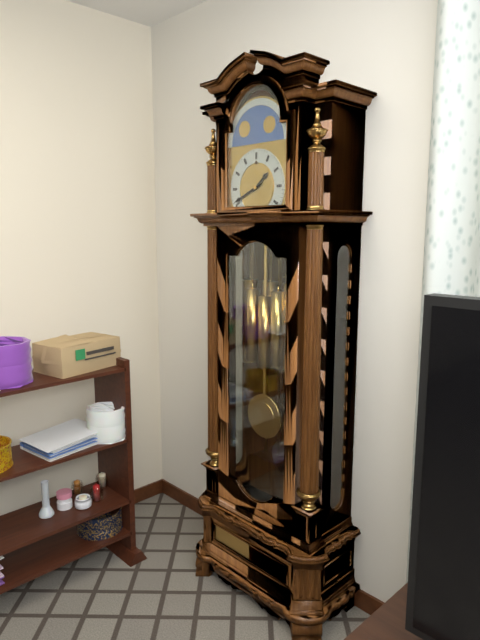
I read {"hour": 1, "minute": 41}
